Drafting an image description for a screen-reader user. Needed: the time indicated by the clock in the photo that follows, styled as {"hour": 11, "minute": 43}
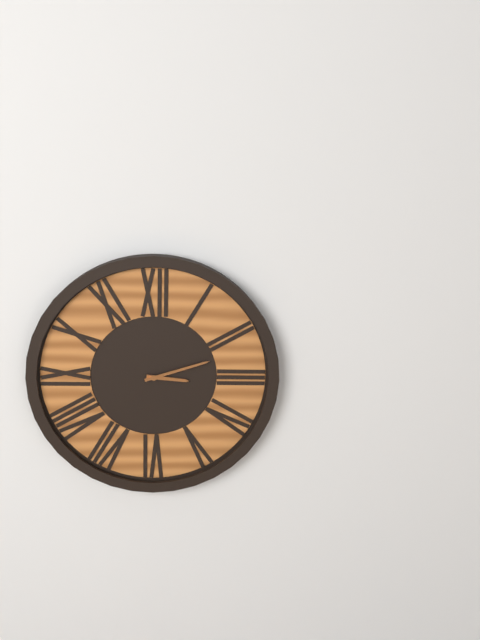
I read {"hour": 3, "minute": 12}
